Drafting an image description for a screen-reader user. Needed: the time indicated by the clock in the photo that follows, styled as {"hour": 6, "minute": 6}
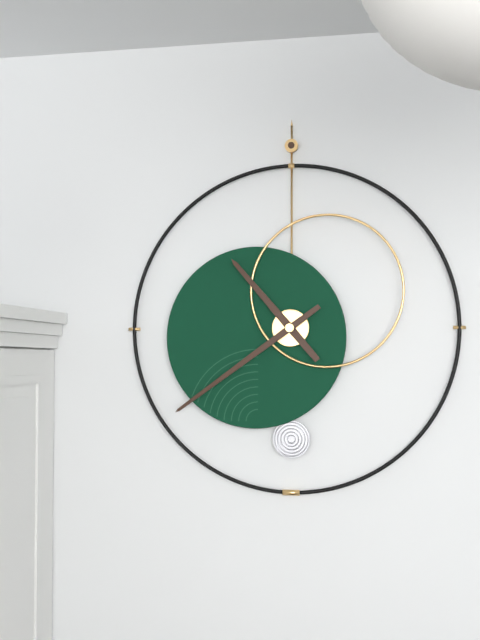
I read {"hour": 10, "minute": 39}
